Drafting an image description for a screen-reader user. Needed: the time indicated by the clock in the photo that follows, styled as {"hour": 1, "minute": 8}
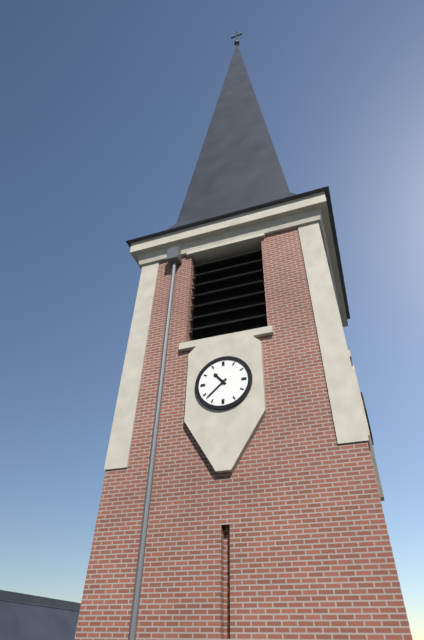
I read {"hour": 10, "minute": 38}
